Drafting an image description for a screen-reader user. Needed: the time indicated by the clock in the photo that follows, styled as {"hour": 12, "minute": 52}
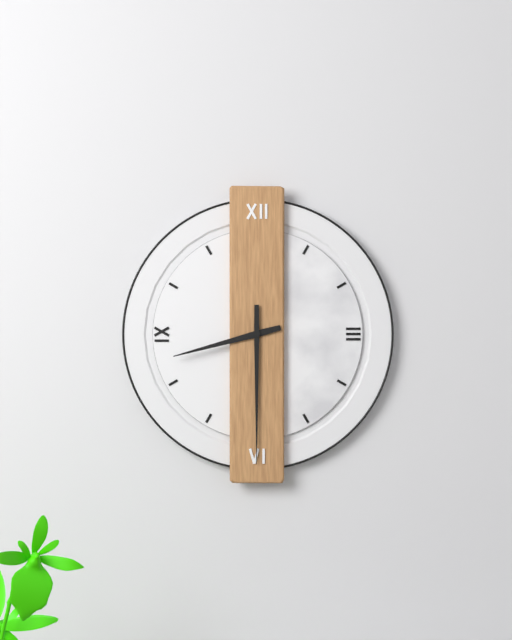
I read {"hour": 8, "minute": 30}
